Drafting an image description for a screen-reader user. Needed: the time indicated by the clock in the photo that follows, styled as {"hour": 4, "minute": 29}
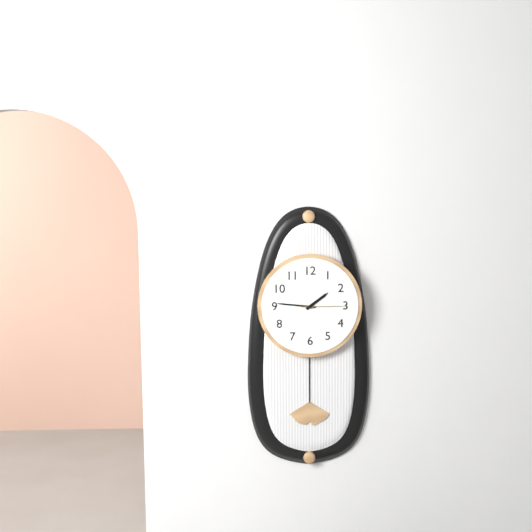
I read {"hour": 1, "minute": 46}
